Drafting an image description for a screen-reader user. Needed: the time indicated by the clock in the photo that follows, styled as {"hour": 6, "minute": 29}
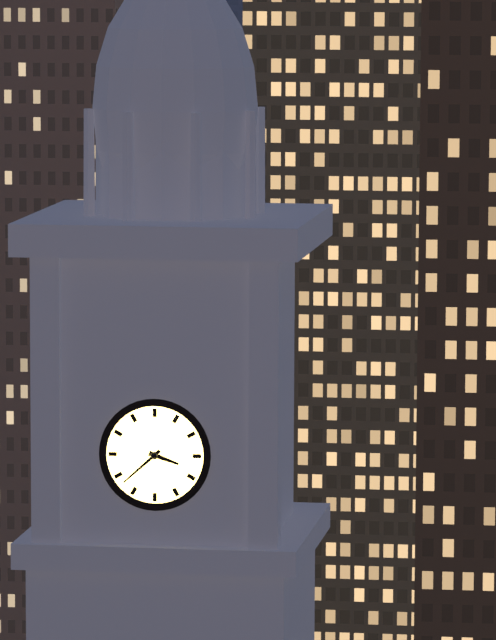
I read {"hour": 3, "minute": 38}
